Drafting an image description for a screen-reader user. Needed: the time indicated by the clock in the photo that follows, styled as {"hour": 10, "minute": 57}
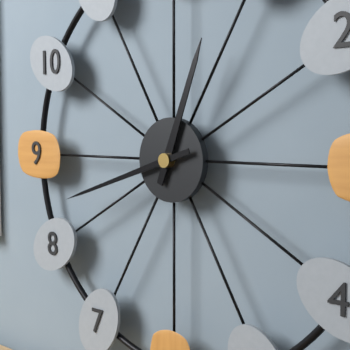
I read {"hour": 12, "minute": 42}
